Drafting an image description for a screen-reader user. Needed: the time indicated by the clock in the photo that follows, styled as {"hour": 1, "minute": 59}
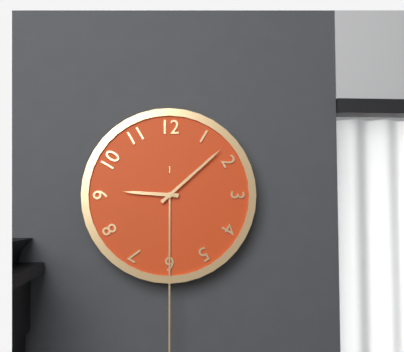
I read {"hour": 9, "minute": 8}
